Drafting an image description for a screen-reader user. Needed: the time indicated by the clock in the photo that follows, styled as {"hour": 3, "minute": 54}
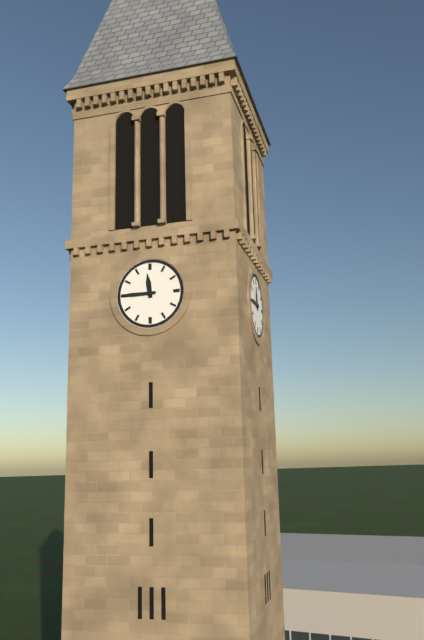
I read {"hour": 11, "minute": 45}
